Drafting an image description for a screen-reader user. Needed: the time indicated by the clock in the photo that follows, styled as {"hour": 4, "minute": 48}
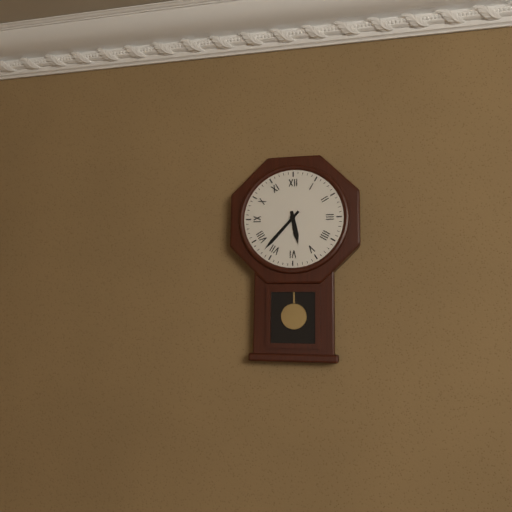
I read {"hour": 5, "minute": 37}
